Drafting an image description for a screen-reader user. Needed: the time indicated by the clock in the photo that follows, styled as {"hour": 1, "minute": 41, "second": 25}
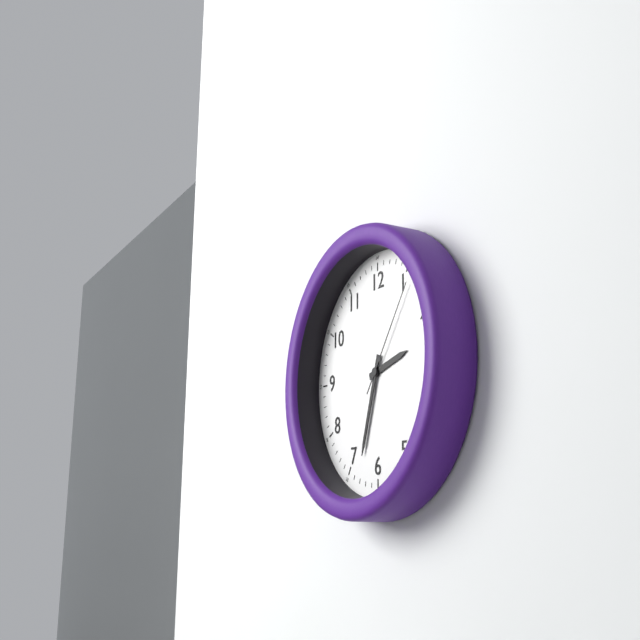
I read {"hour": 2, "minute": 33, "second": 6}
